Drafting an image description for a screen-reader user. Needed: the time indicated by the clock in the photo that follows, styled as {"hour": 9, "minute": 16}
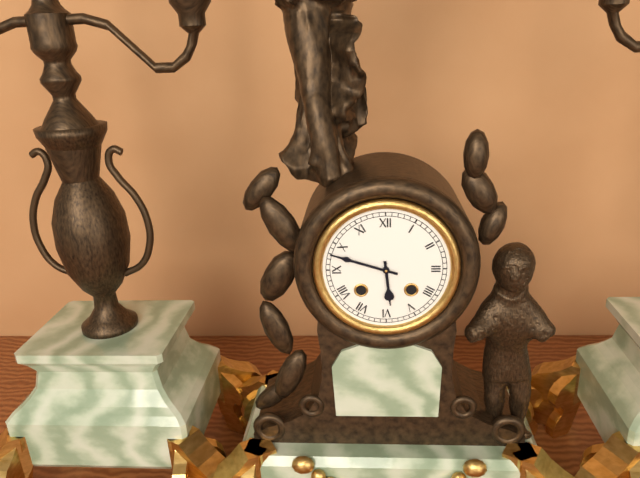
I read {"hour": 5, "minute": 48}
